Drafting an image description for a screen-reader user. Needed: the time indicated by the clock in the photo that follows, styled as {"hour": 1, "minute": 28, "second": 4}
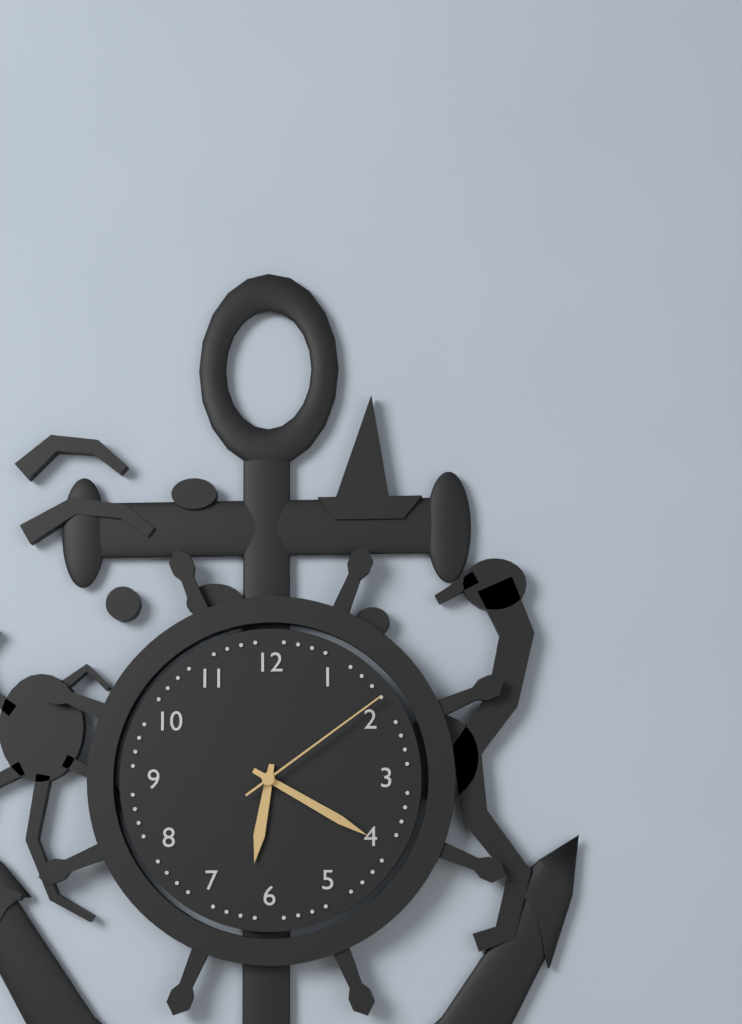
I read {"hour": 6, "minute": 20, "second": 9}
